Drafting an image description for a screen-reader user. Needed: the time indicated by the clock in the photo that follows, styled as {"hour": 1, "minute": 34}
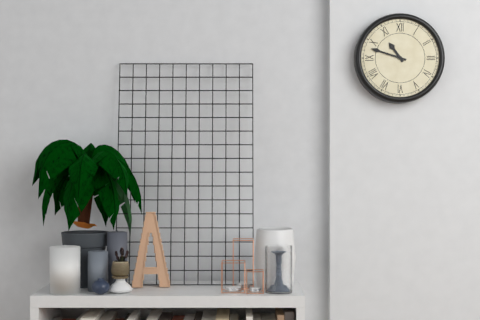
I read {"hour": 10, "minute": 48}
